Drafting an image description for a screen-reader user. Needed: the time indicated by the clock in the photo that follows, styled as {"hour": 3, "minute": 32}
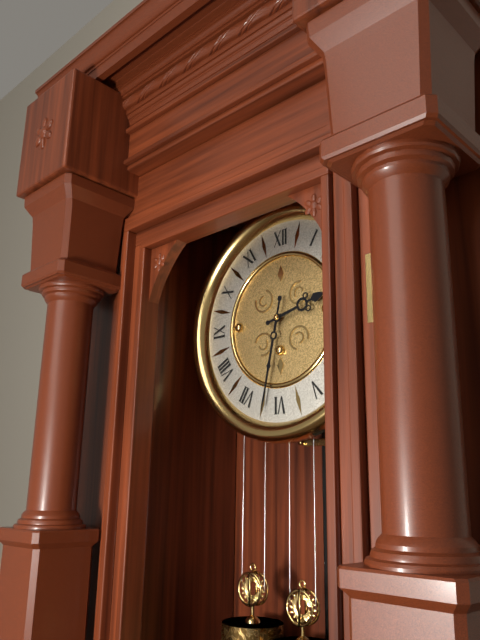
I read {"hour": 2, "minute": 32}
